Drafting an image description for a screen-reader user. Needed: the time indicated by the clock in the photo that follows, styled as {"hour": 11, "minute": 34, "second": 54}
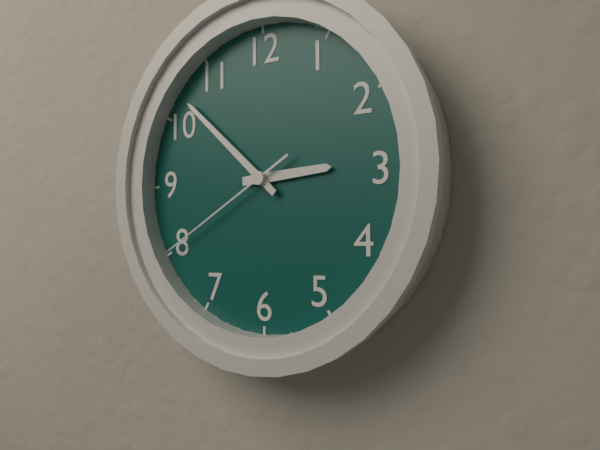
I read {"hour": 2, "minute": 52, "second": 40}
